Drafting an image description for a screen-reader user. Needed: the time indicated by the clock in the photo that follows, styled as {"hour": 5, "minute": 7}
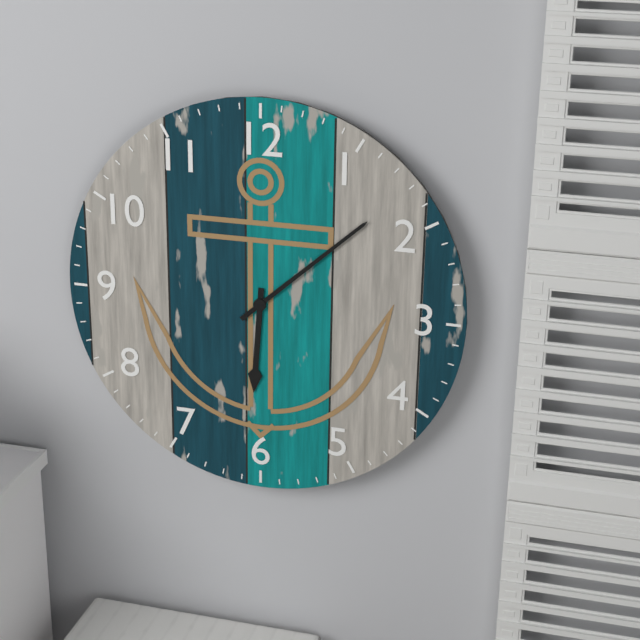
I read {"hour": 6, "minute": 8}
